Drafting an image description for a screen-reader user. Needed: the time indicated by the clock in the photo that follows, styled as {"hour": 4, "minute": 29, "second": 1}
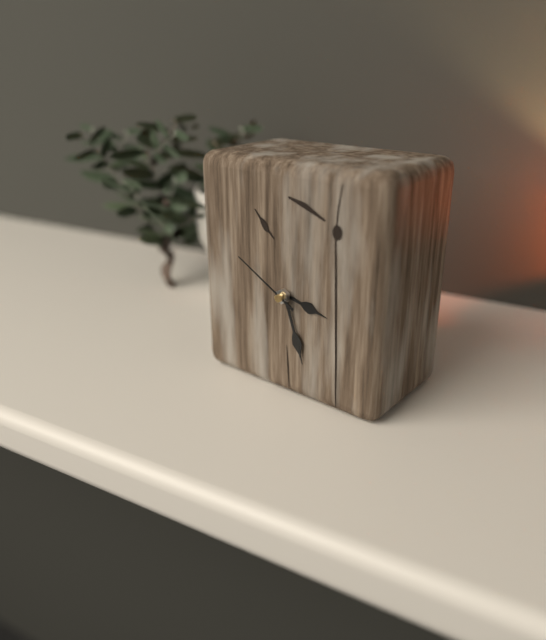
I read {"hour": 3, "minute": 27, "second": 50}
